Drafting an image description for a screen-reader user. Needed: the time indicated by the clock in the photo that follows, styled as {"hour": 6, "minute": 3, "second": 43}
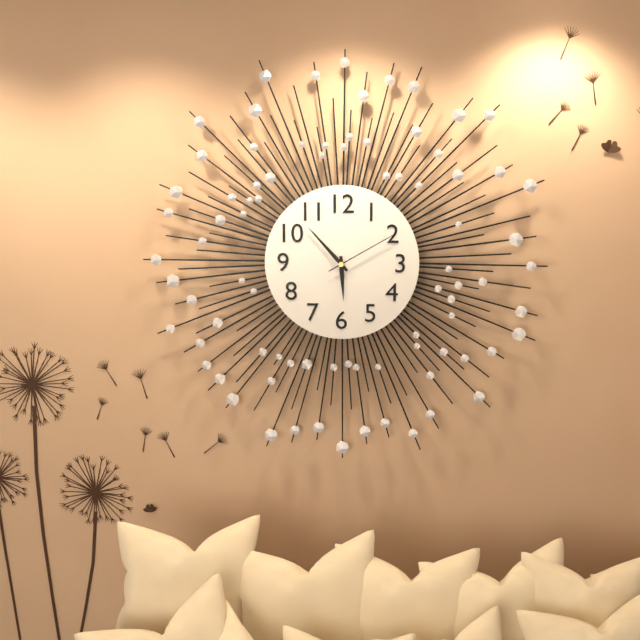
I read {"hour": 5, "minute": 53, "second": 10}
